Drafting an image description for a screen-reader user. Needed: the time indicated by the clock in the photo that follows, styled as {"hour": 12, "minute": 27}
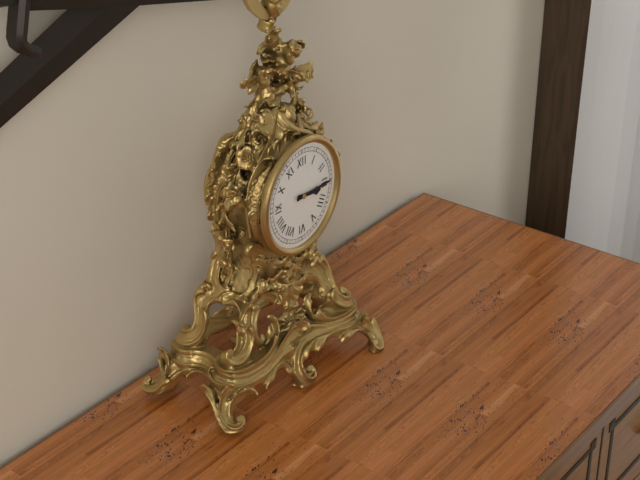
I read {"hour": 3, "minute": 15}
